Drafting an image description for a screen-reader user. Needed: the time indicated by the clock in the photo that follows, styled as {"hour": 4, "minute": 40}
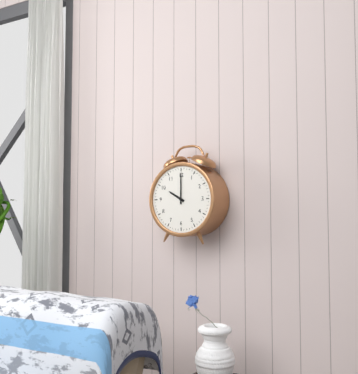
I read {"hour": 10, "minute": 0}
